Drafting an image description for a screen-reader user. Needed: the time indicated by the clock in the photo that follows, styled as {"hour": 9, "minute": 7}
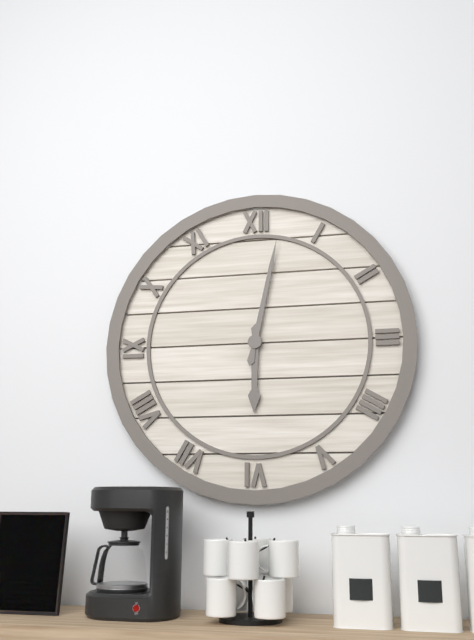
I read {"hour": 6, "minute": 2}
